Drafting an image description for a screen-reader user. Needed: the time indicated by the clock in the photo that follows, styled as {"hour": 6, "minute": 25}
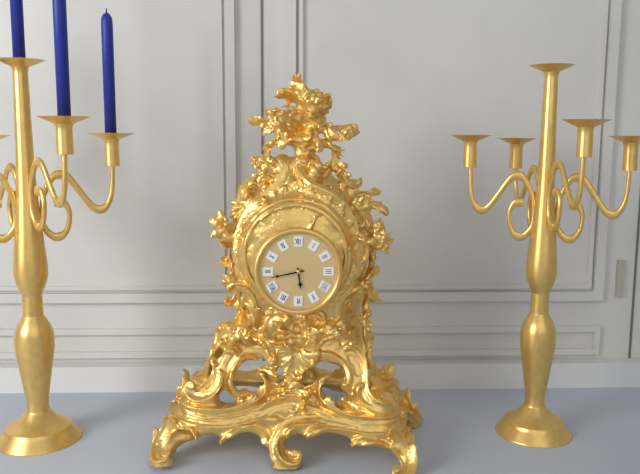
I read {"hour": 5, "minute": 43}
